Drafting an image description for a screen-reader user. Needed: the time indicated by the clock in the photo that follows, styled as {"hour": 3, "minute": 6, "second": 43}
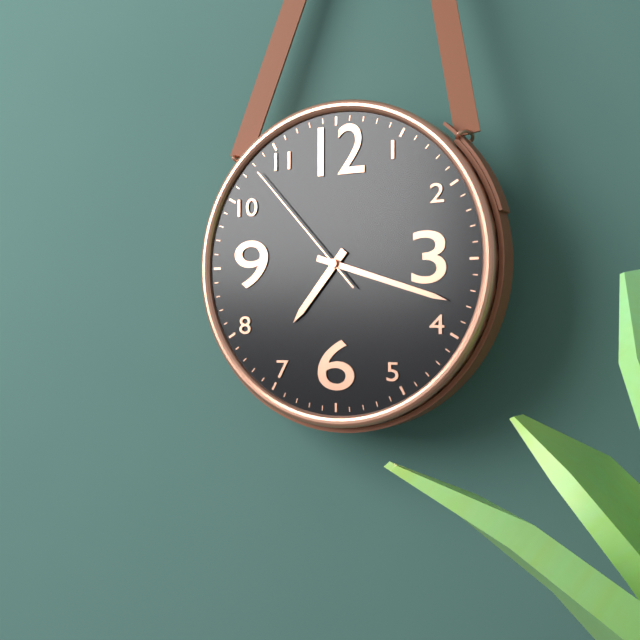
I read {"hour": 7, "minute": 18, "second": 53}
